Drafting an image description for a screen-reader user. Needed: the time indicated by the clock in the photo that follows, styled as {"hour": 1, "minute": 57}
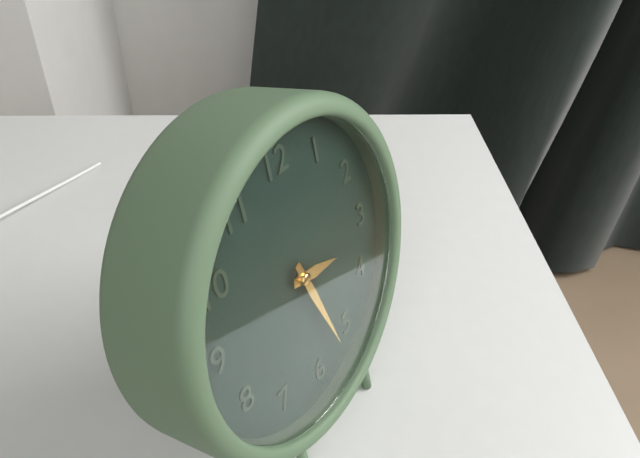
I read {"hour": 3, "minute": 27}
